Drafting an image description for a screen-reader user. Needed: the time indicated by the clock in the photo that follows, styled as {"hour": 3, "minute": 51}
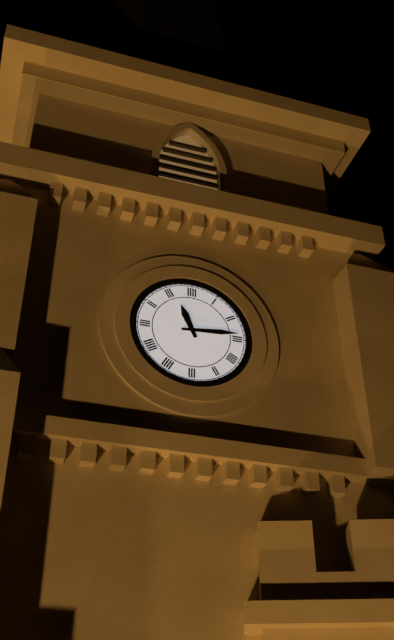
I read {"hour": 11, "minute": 14}
